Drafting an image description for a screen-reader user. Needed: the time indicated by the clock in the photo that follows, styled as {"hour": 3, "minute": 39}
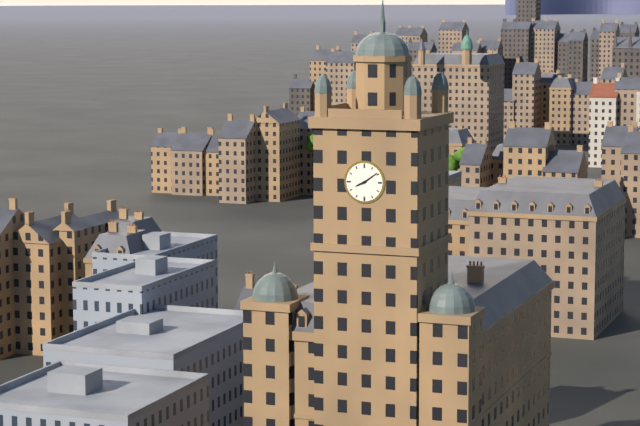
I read {"hour": 8, "minute": 9}
